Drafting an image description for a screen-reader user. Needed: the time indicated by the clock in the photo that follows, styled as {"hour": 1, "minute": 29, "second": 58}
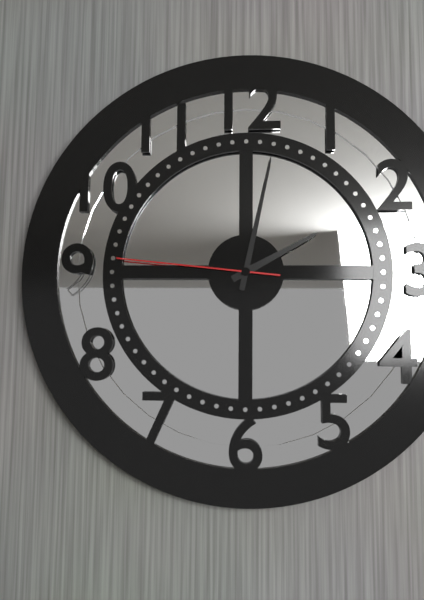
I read {"hour": 2, "minute": 2, "second": 46}
